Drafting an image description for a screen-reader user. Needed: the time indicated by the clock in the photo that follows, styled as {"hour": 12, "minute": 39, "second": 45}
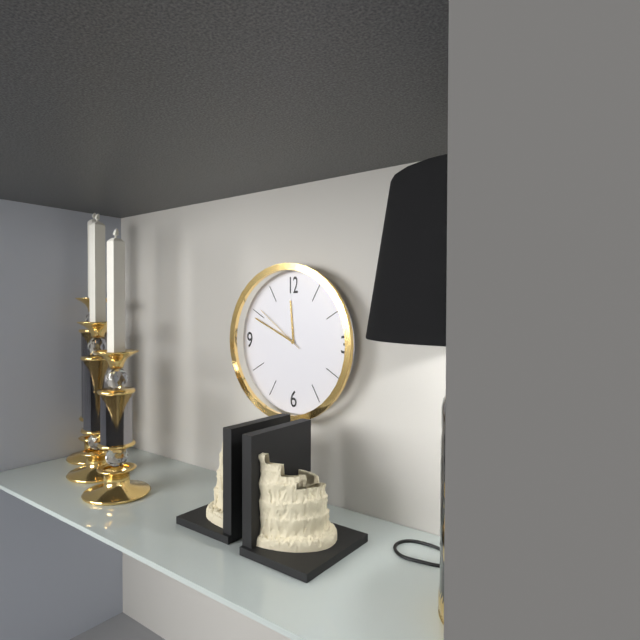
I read {"hour": 11, "minute": 49, "second": 51}
